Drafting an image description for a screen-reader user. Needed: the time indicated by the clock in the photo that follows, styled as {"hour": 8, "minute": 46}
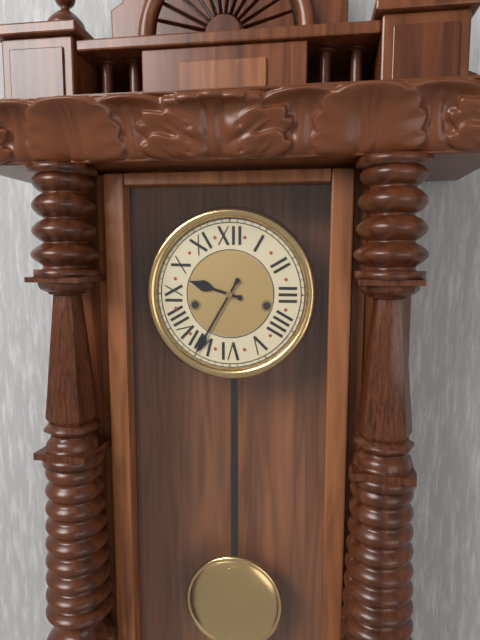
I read {"hour": 9, "minute": 35}
